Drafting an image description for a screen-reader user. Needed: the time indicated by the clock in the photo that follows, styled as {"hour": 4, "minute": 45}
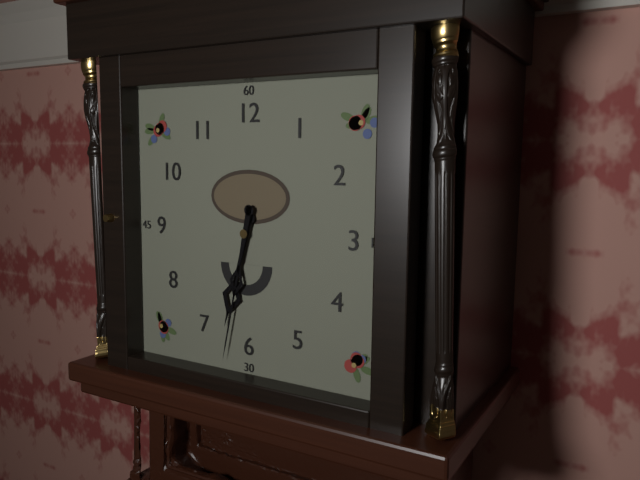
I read {"hour": 6, "minute": 32}
